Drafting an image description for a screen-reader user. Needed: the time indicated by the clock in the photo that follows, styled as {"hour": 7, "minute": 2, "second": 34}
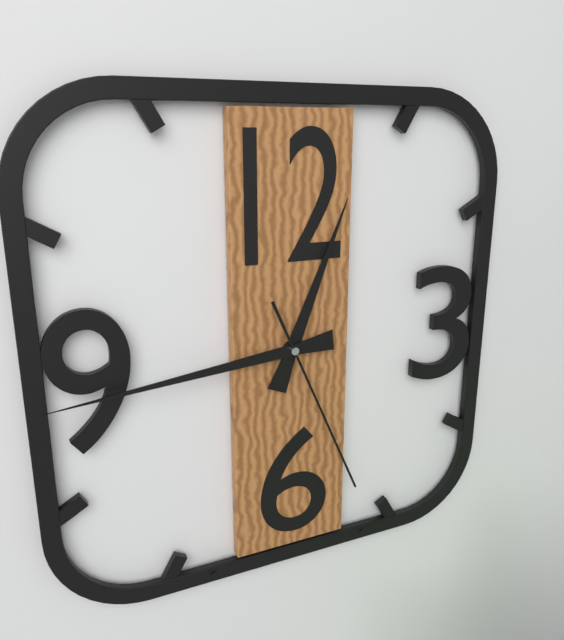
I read {"hour": 12, "minute": 44, "second": 26}
